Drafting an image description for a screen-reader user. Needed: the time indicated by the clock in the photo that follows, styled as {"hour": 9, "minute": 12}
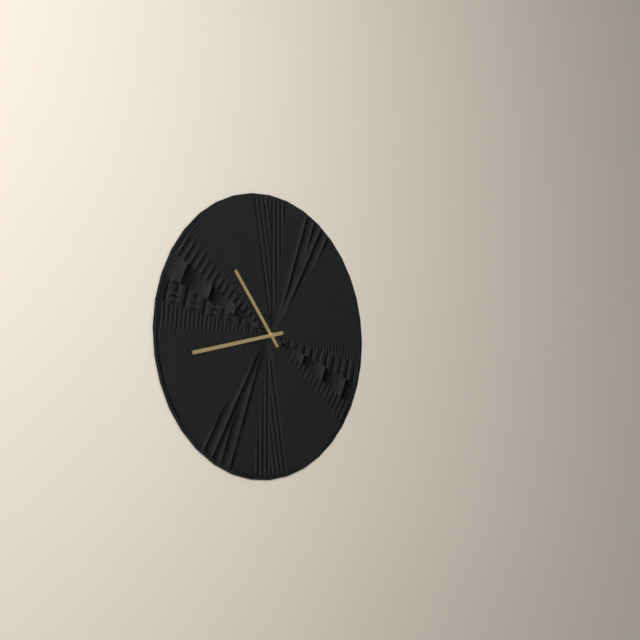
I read {"hour": 10, "minute": 43}
